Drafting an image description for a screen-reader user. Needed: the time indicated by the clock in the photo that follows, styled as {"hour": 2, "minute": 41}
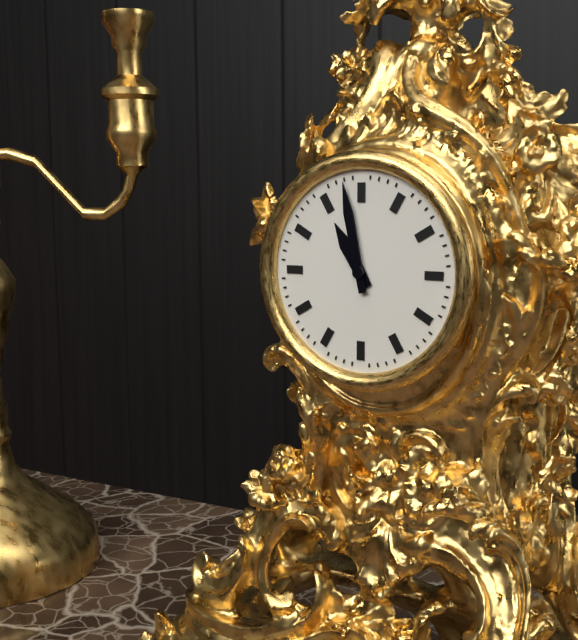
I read {"hour": 10, "minute": 58}
